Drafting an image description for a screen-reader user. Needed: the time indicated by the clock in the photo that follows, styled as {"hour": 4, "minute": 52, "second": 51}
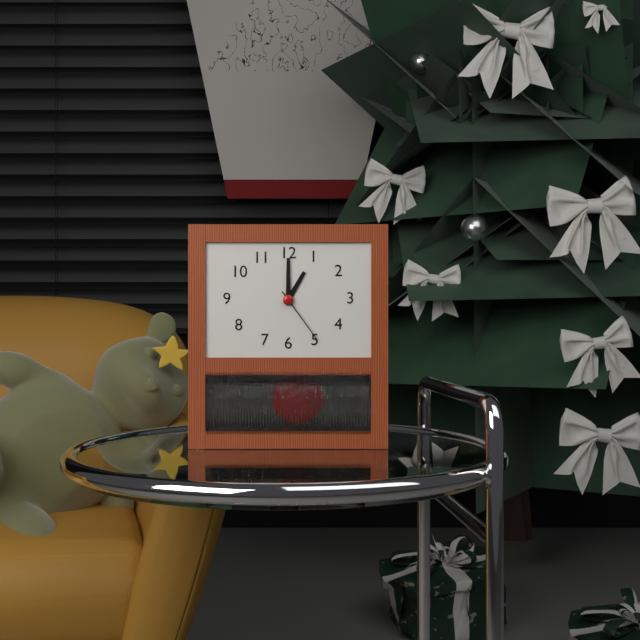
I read {"hour": 1, "minute": 0, "second": 24}
